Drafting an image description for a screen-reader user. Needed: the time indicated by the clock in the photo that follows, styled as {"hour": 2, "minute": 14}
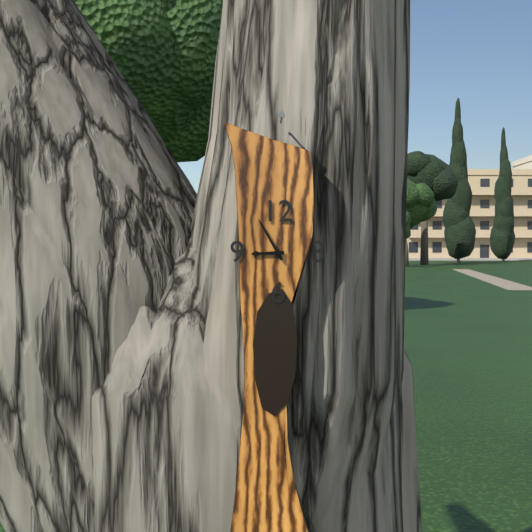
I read {"hour": 8, "minute": 55}
